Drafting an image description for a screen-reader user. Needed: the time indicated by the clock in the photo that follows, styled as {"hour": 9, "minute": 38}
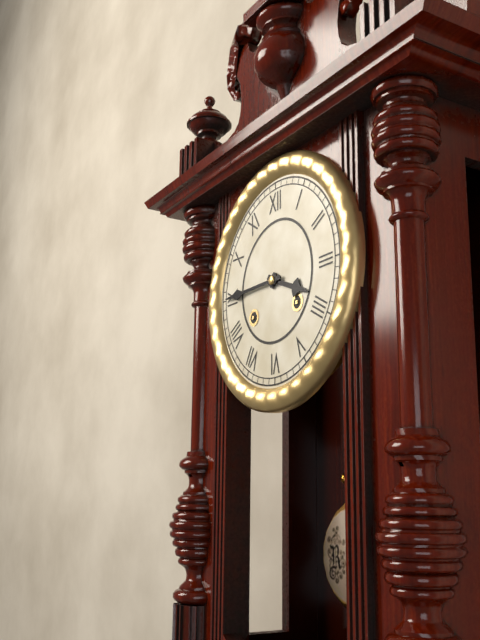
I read {"hour": 3, "minute": 45}
